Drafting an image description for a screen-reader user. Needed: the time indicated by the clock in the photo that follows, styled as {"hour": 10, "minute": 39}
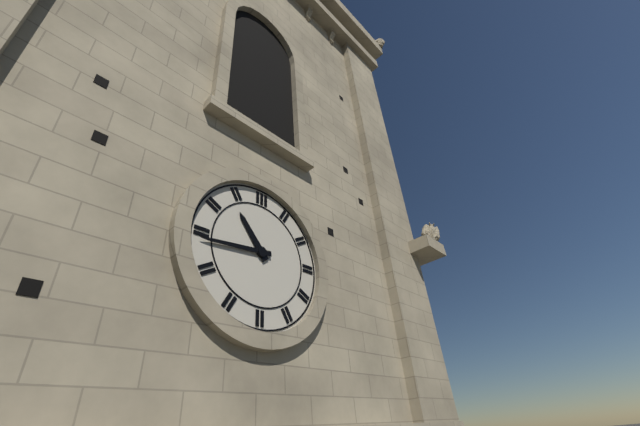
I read {"hour": 10, "minute": 44}
